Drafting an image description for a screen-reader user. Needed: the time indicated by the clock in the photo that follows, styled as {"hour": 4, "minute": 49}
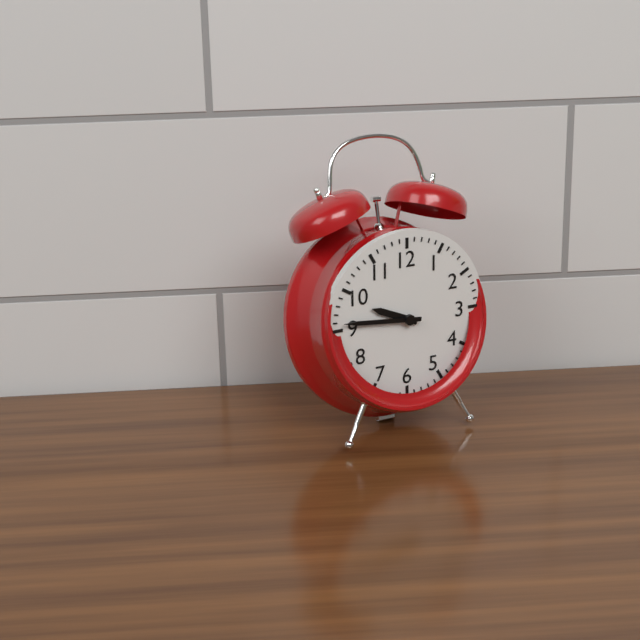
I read {"hour": 9, "minute": 46}
